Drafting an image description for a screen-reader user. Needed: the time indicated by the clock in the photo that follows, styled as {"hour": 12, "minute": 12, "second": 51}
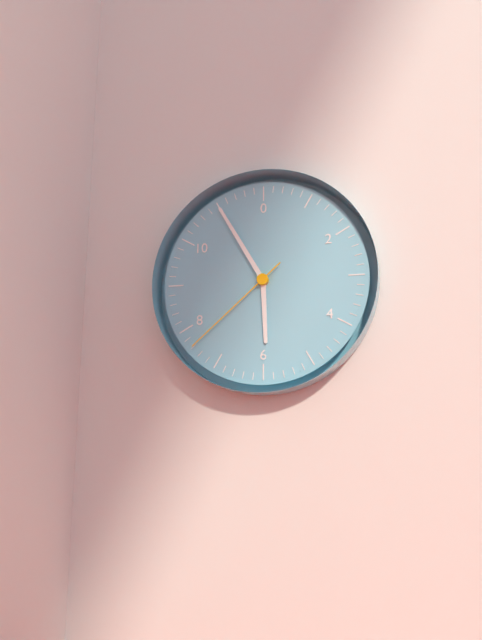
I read {"hour": 5, "minute": 55, "second": 38}
